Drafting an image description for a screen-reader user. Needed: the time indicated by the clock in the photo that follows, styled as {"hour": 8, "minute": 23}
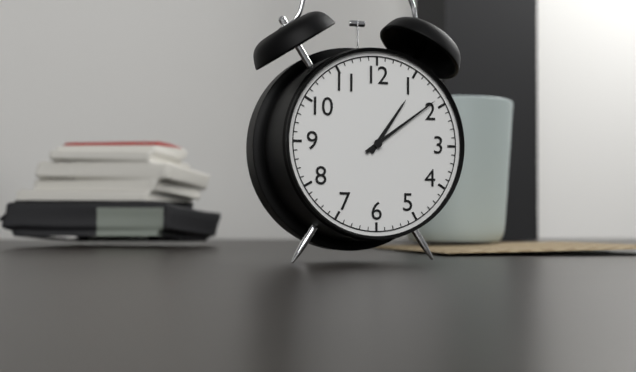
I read {"hour": 1, "minute": 9}
